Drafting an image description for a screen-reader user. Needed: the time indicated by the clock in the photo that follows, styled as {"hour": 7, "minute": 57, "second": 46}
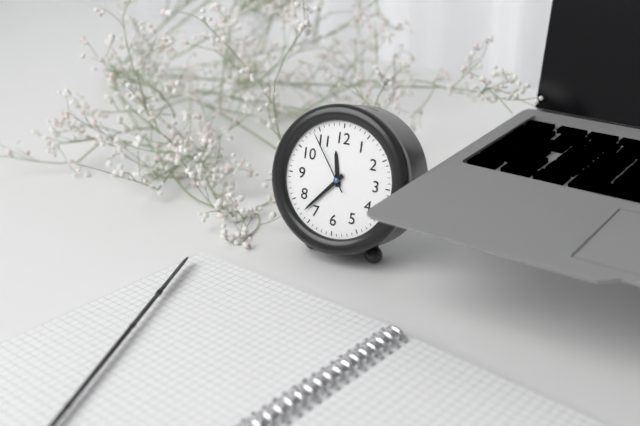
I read {"hour": 11, "minute": 37, "second": 54}
